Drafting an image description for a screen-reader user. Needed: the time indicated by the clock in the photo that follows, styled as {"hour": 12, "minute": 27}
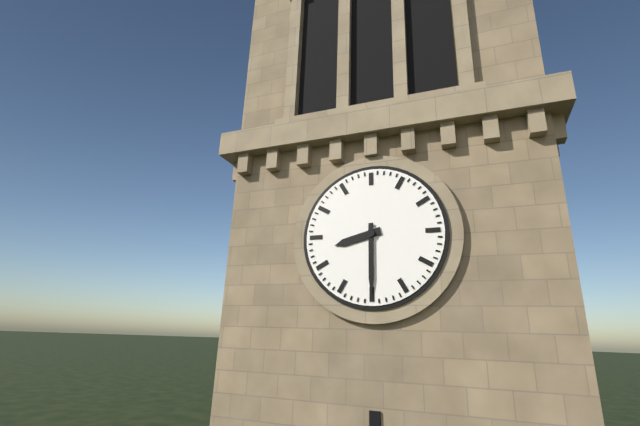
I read {"hour": 8, "minute": 30}
